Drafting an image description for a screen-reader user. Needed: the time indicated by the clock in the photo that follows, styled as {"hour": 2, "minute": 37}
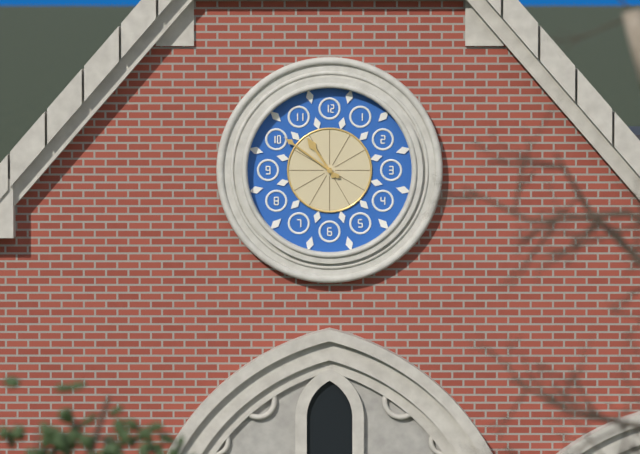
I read {"hour": 10, "minute": 51}
